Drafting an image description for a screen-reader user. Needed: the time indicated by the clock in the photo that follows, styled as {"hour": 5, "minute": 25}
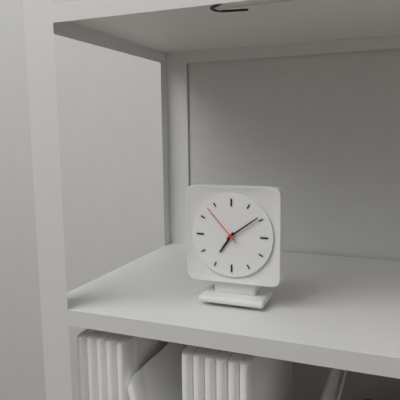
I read {"hour": 7, "minute": 9}
